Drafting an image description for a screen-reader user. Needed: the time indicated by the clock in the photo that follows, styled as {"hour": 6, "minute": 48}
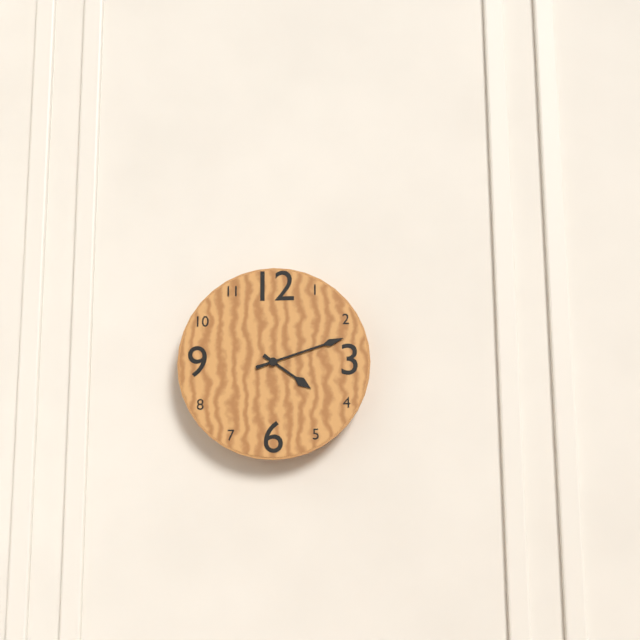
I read {"hour": 4, "minute": 12}
